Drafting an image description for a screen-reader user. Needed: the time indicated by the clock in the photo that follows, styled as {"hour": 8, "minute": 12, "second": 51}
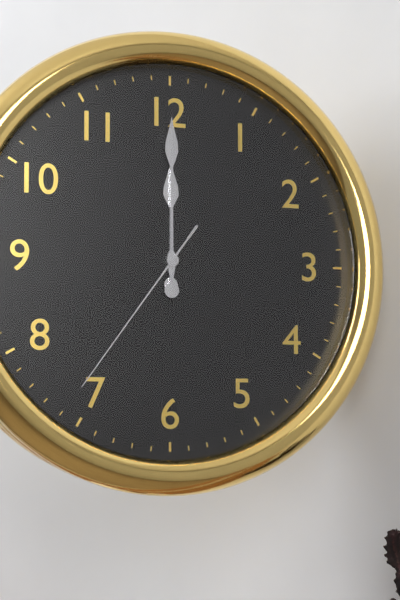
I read {"hour": 12, "minute": 0, "second": 36}
